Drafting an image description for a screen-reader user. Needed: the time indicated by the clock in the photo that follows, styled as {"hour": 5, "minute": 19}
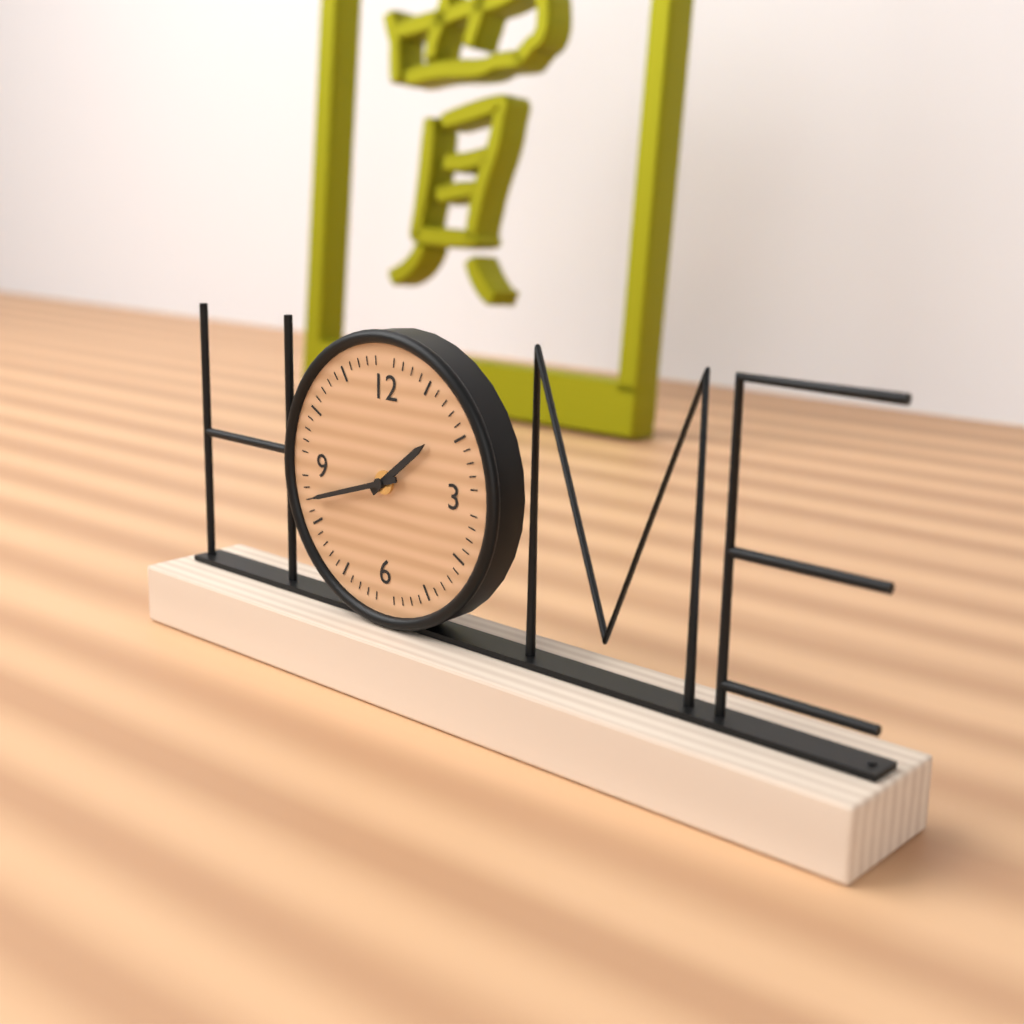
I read {"hour": 1, "minute": 42}
